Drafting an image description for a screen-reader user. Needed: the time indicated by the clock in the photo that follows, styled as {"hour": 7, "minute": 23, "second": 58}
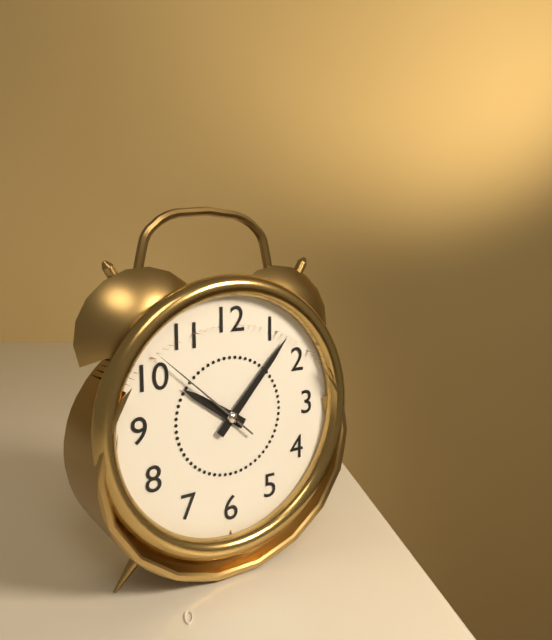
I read {"hour": 10, "minute": 7, "second": 52}
